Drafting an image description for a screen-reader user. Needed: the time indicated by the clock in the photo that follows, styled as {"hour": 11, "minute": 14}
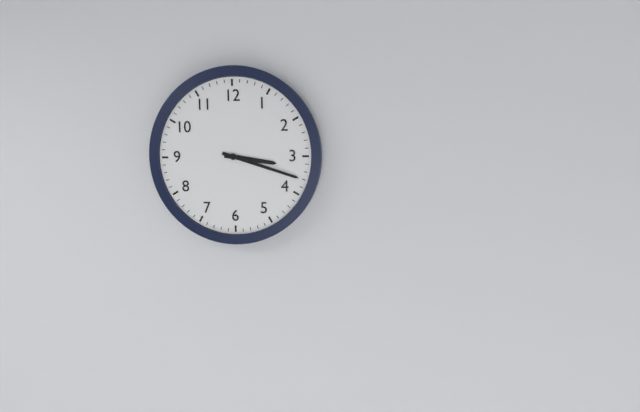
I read {"hour": 3, "minute": 18}
